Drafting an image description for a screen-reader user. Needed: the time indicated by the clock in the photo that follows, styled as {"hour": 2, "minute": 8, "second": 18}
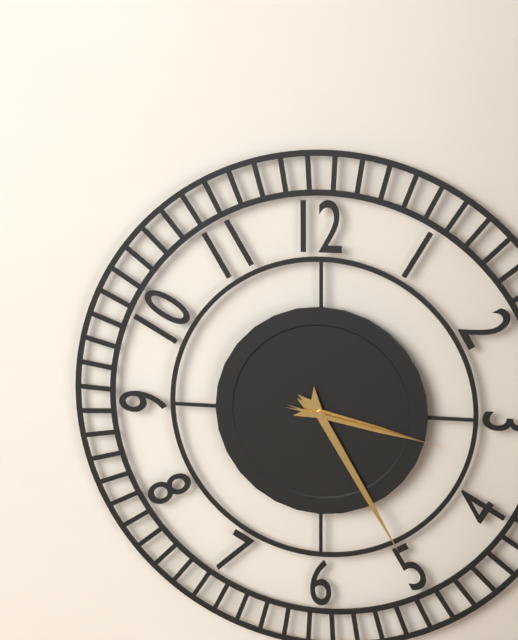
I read {"hour": 3, "minute": 25, "second": 17}
